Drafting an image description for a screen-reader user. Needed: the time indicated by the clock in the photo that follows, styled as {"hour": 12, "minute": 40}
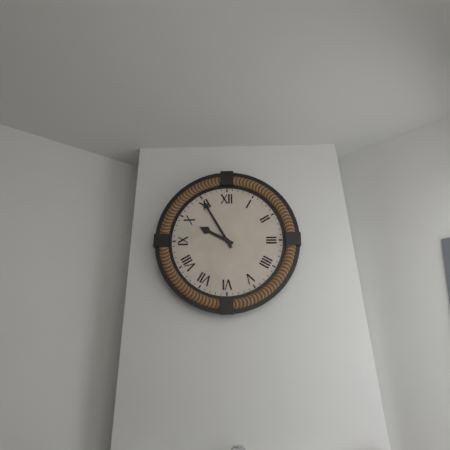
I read {"hour": 9, "minute": 55}
